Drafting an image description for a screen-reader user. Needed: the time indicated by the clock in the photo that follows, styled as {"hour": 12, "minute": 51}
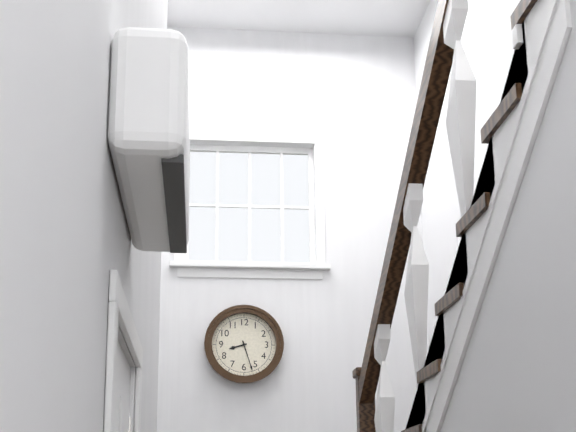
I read {"hour": 8, "minute": 27}
